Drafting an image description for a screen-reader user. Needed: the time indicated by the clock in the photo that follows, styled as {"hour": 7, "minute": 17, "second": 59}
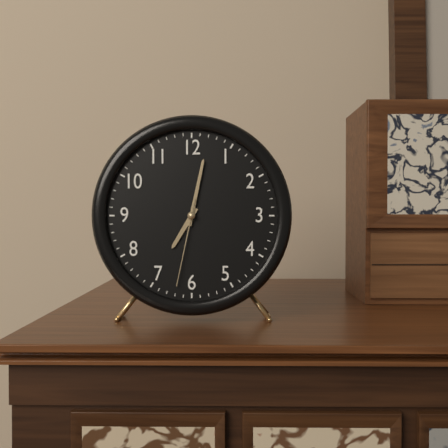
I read {"hour": 7, "minute": 2, "second": 32}
